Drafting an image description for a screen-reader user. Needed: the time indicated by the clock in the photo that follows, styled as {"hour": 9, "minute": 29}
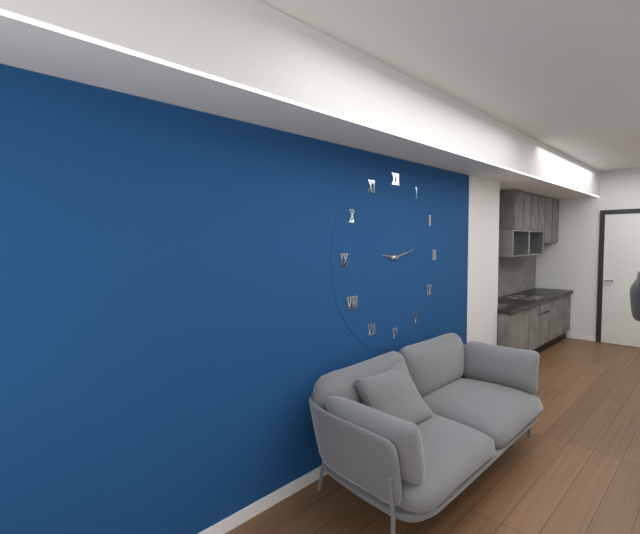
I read {"hour": 9, "minute": 13}
